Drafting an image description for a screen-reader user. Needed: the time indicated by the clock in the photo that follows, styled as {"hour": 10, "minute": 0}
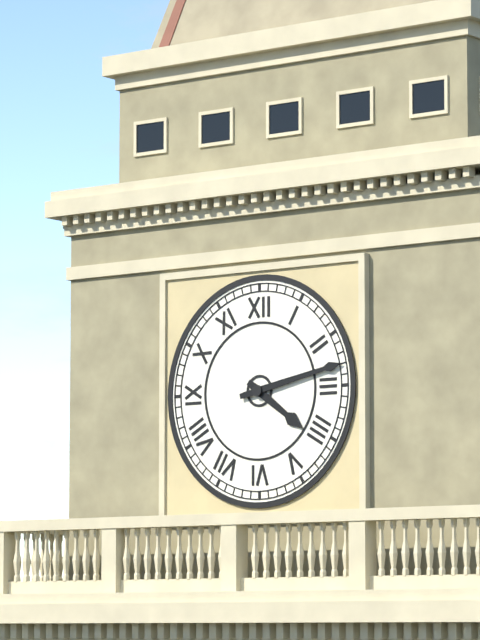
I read {"hour": 4, "minute": 13}
